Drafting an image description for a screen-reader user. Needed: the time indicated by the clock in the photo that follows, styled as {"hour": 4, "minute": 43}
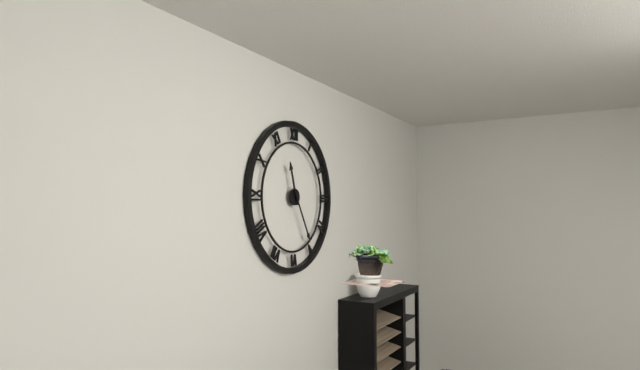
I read {"hour": 11, "minute": 25}
